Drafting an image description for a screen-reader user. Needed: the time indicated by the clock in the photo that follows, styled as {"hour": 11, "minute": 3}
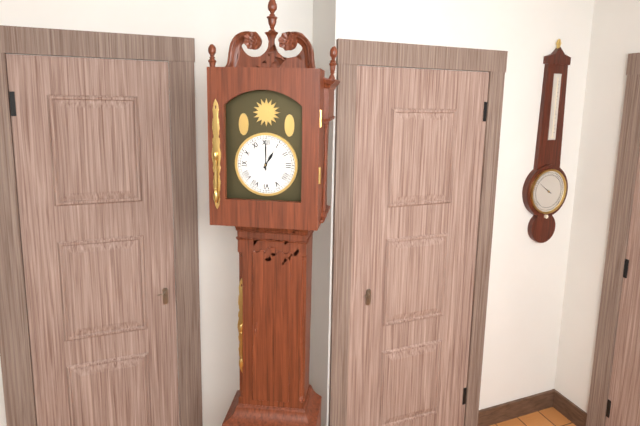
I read {"hour": 1, "minute": 0}
